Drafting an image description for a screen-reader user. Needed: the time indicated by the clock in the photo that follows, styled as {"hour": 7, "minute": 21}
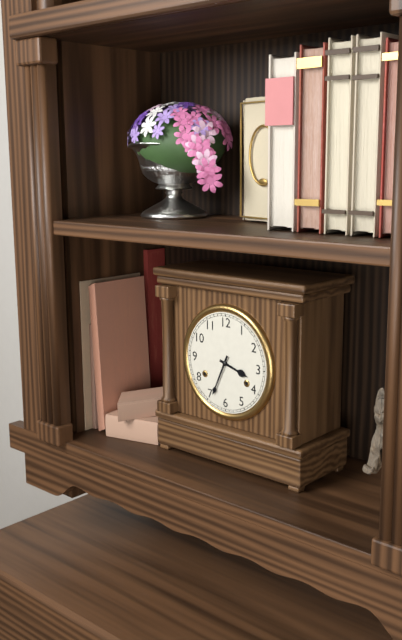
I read {"hour": 3, "minute": 34}
